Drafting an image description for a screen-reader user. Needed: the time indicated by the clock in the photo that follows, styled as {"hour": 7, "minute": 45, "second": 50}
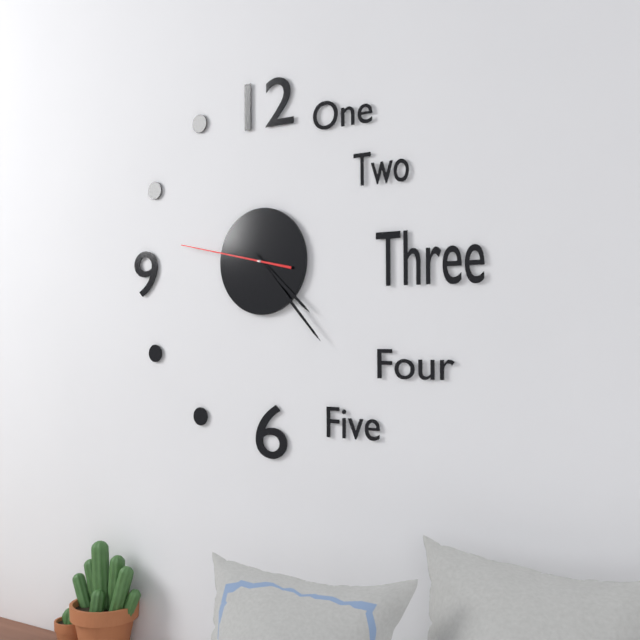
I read {"hour": 4, "minute": 23, "second": 47}
